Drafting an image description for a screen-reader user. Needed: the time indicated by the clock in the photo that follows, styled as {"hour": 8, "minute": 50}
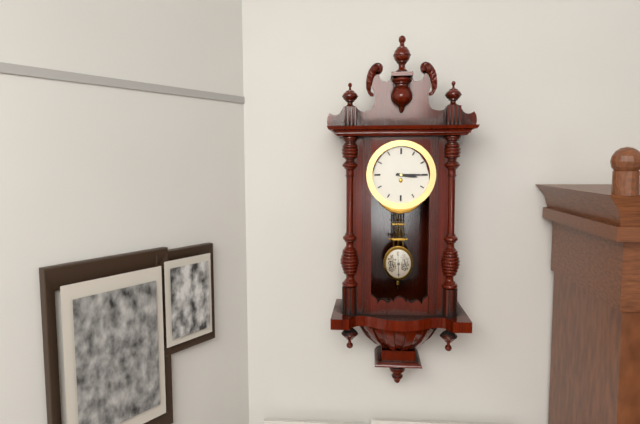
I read {"hour": 3, "minute": 15}
